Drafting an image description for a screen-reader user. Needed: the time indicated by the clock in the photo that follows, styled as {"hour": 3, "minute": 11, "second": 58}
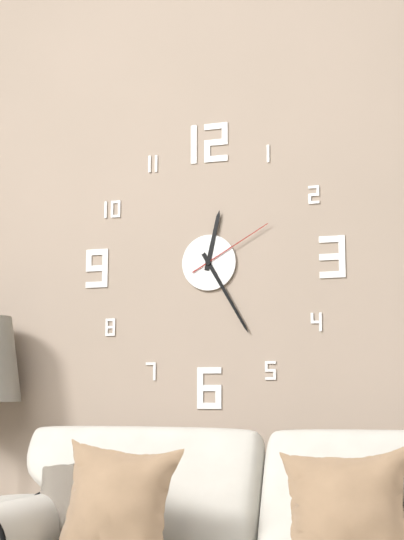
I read {"hour": 12, "minute": 25, "second": 10}
